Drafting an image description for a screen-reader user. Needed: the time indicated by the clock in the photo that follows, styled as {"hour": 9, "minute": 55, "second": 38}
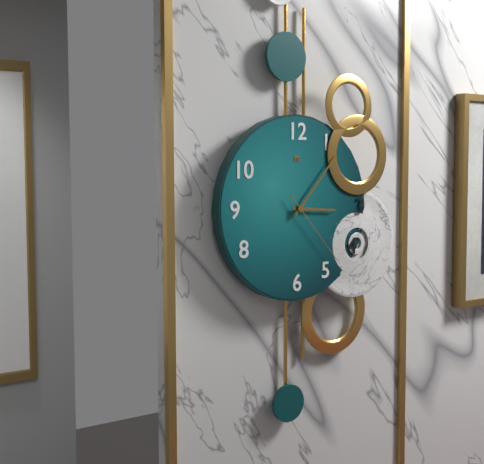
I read {"hour": 3, "minute": 7, "second": 23}
